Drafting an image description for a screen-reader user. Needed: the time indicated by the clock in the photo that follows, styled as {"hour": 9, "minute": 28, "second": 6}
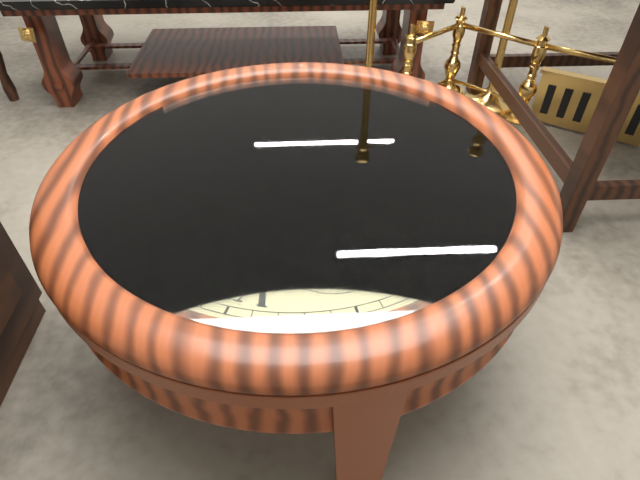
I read {"hour": 12, "minute": 1, "second": 11}
